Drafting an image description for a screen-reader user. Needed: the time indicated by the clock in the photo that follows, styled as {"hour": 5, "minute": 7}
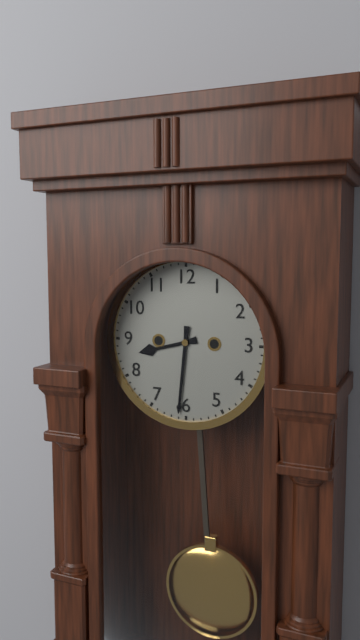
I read {"hour": 8, "minute": 31}
